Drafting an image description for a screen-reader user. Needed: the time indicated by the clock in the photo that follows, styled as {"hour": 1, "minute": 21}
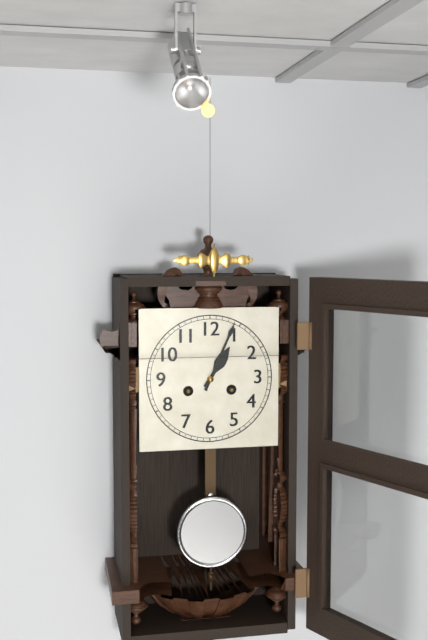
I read {"hour": 1, "minute": 4}
